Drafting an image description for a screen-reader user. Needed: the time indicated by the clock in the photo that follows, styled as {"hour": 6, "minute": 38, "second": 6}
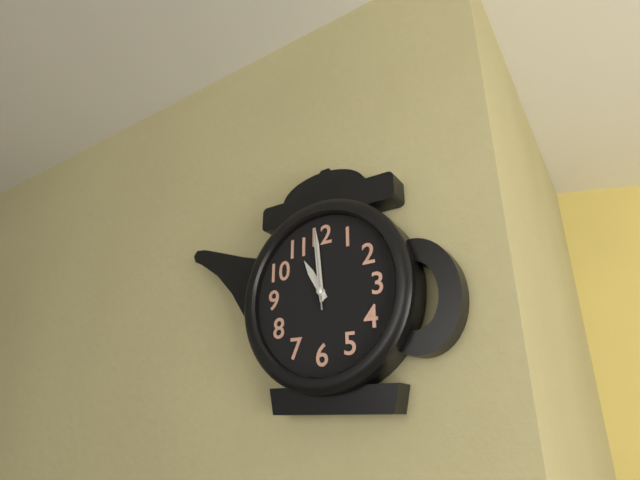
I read {"hour": 10, "minute": 59, "second": 59}
